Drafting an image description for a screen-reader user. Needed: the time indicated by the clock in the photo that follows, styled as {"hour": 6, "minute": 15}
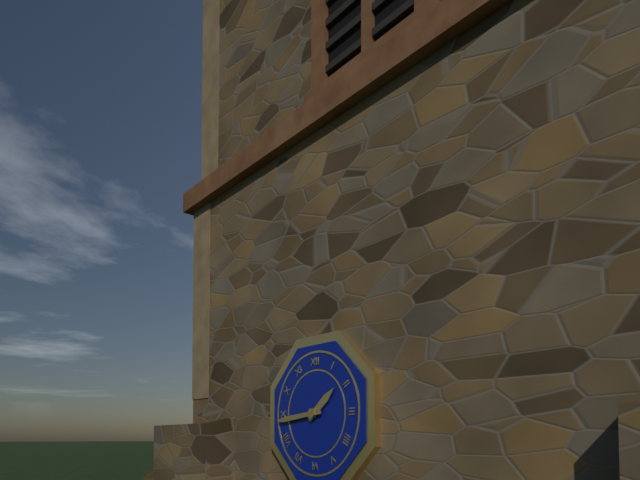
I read {"hour": 1, "minute": 44}
